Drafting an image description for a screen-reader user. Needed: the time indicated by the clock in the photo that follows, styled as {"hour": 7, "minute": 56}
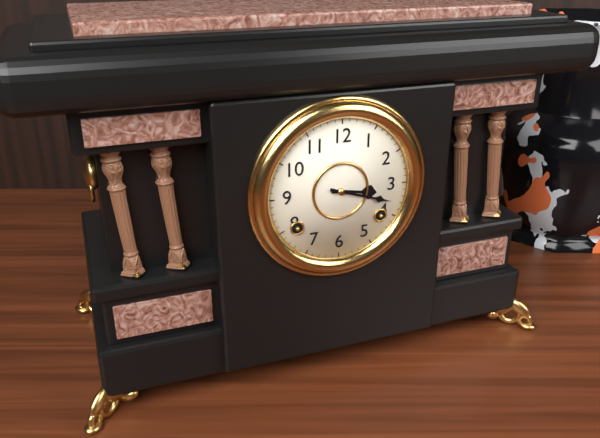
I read {"hour": 3, "minute": 18}
